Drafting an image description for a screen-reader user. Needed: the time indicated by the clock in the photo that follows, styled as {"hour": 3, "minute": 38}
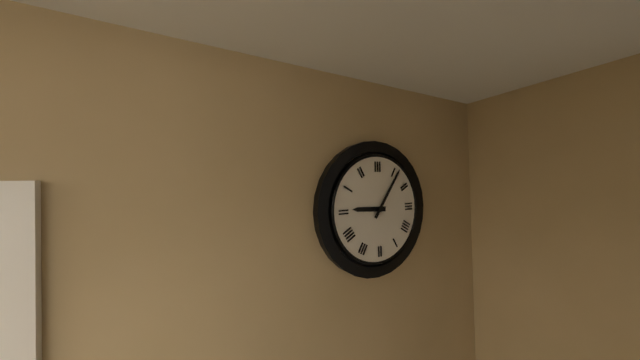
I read {"hour": 9, "minute": 6}
